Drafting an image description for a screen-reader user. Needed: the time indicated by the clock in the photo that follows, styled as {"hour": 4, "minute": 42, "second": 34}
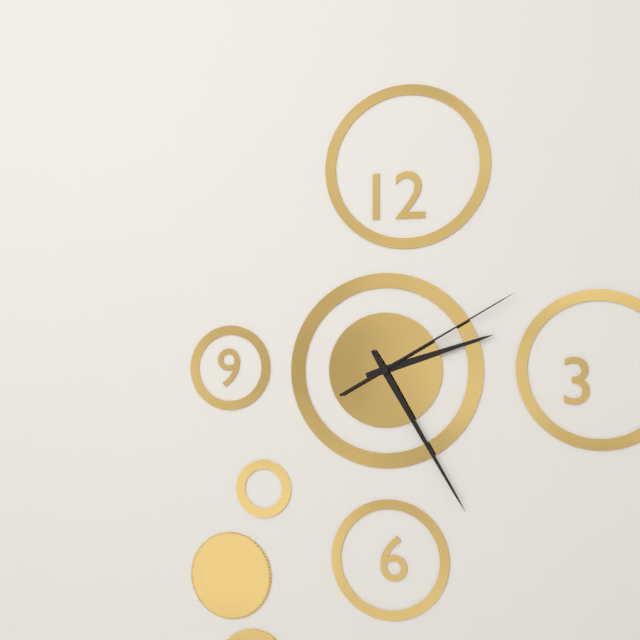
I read {"hour": 2, "minute": 25, "second": 10}
